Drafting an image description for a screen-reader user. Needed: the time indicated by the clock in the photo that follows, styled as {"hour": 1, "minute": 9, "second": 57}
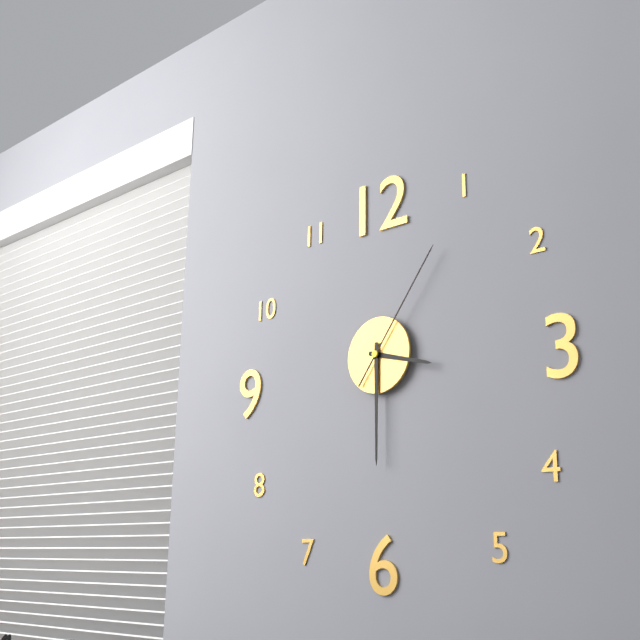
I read {"hour": 3, "minute": 30, "second": 6}
